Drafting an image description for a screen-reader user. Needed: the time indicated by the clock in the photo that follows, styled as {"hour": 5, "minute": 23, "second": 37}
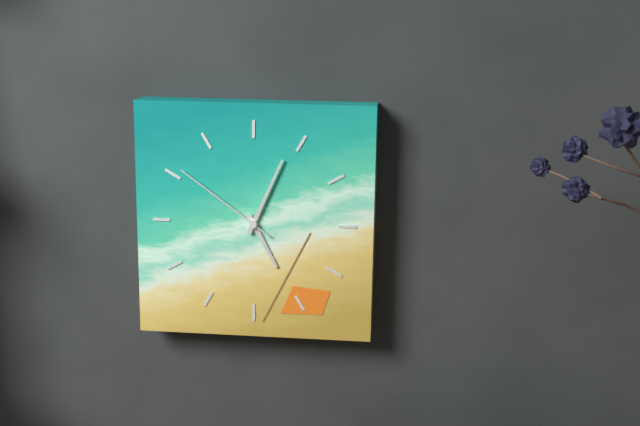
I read {"hour": 5, "minute": 4, "second": 51}
